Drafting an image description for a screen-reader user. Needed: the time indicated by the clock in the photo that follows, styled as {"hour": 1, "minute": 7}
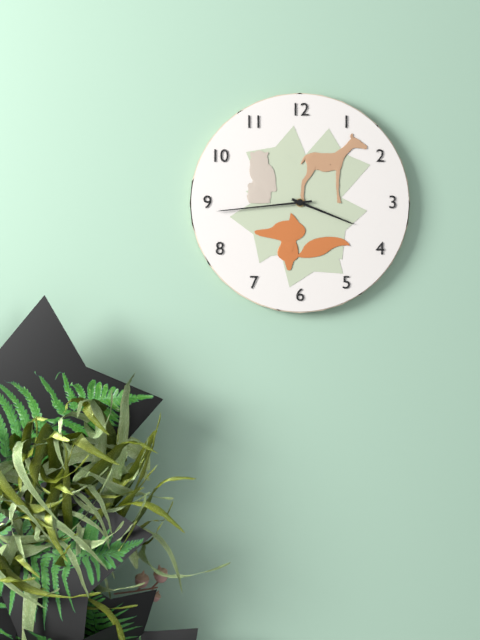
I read {"hour": 3, "minute": 44}
